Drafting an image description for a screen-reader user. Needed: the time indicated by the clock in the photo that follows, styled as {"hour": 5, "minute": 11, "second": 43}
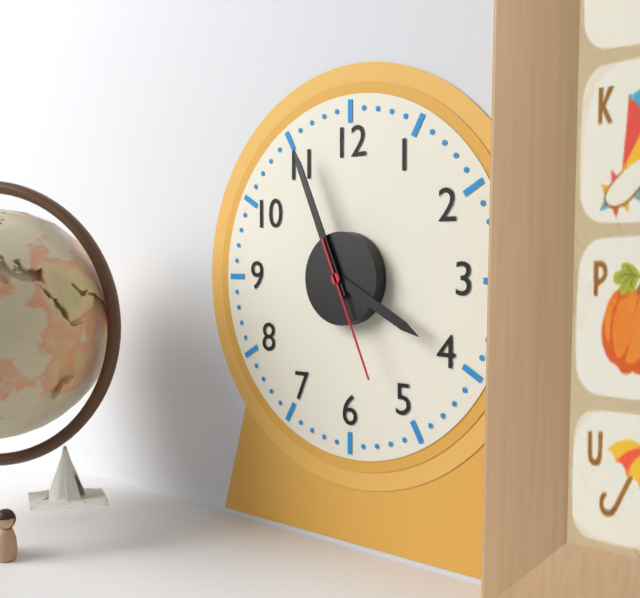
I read {"hour": 3, "minute": 56, "second": 26}
